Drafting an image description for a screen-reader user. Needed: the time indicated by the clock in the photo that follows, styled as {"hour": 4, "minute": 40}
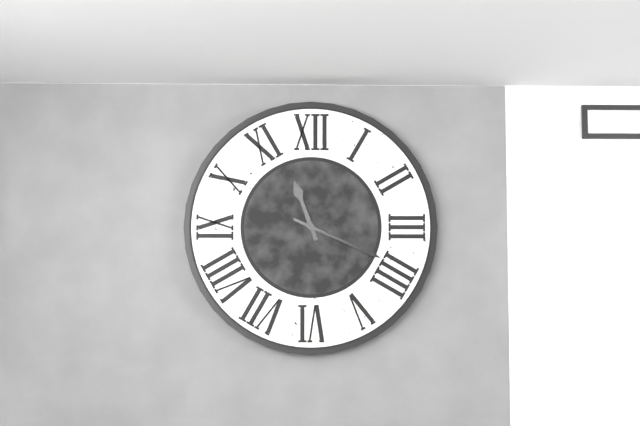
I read {"hour": 11, "minute": 19}
